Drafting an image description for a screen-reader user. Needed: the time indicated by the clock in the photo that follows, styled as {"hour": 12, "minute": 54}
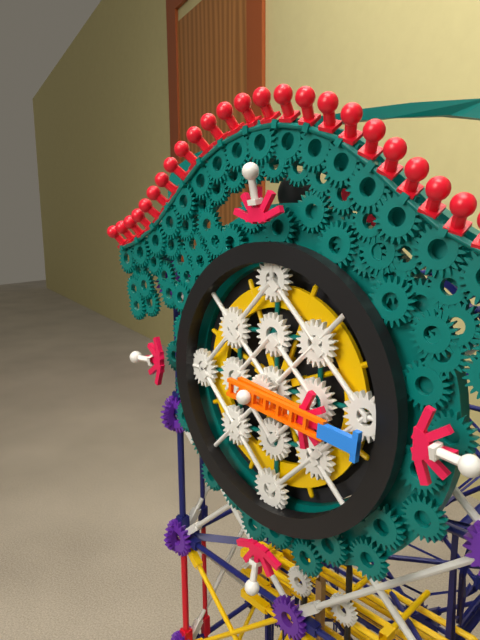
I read {"hour": 3, "minute": 16}
